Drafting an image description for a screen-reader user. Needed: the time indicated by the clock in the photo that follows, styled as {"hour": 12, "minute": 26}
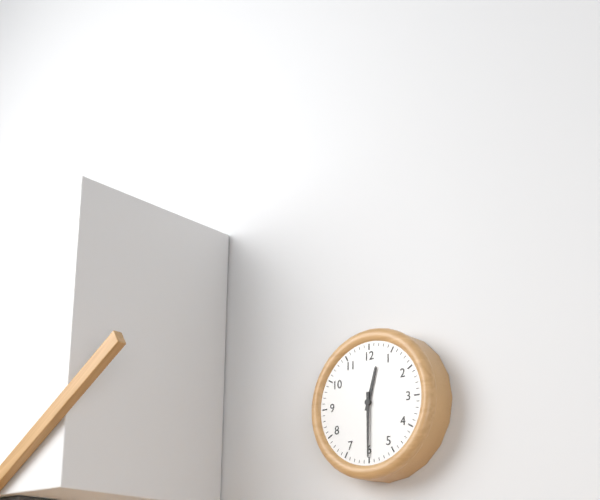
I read {"hour": 12, "minute": 30}
